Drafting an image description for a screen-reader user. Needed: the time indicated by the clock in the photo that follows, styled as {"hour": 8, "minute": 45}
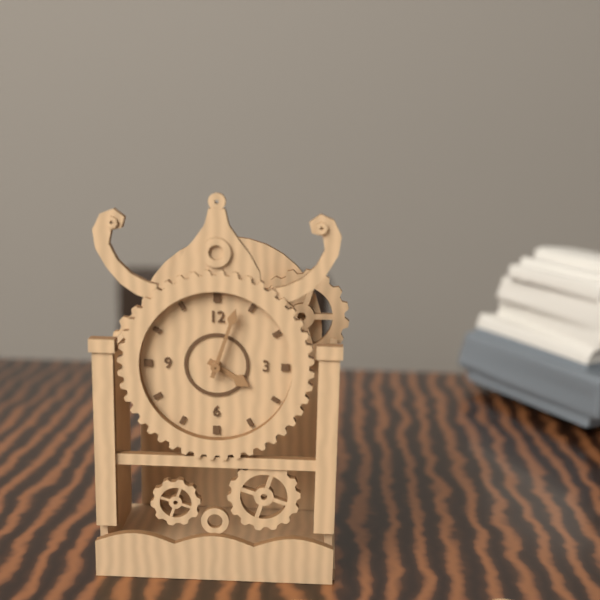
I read {"hour": 4, "minute": 3}
